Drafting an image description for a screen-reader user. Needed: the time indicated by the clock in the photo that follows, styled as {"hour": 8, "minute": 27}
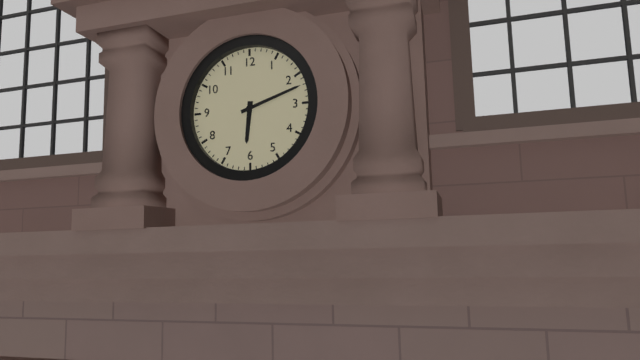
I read {"hour": 6, "minute": 12}
